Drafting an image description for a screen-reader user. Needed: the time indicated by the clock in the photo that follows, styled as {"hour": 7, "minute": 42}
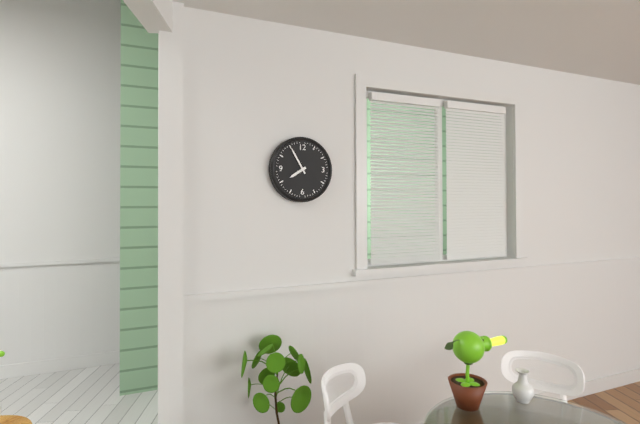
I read {"hour": 7, "minute": 55}
